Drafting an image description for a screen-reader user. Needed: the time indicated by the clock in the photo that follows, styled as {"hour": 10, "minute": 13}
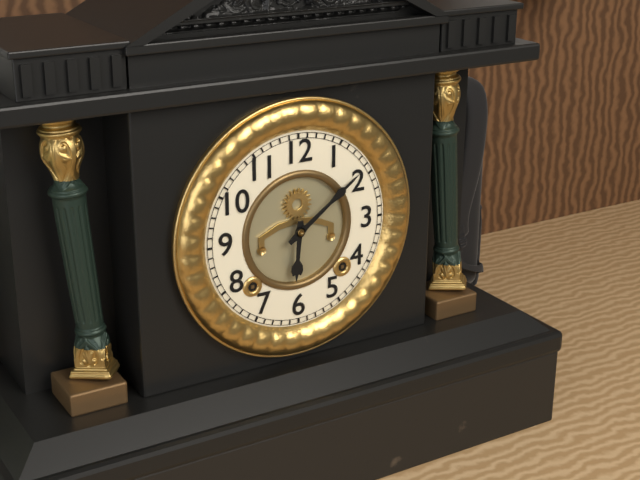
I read {"hour": 6, "minute": 9}
